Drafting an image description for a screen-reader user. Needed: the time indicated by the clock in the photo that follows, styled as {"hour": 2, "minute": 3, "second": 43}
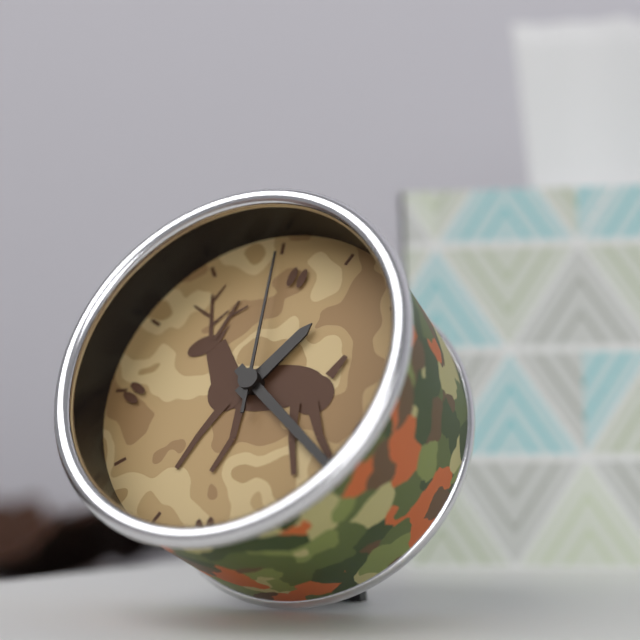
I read {"hour": 1, "minute": 22, "second": 0}
